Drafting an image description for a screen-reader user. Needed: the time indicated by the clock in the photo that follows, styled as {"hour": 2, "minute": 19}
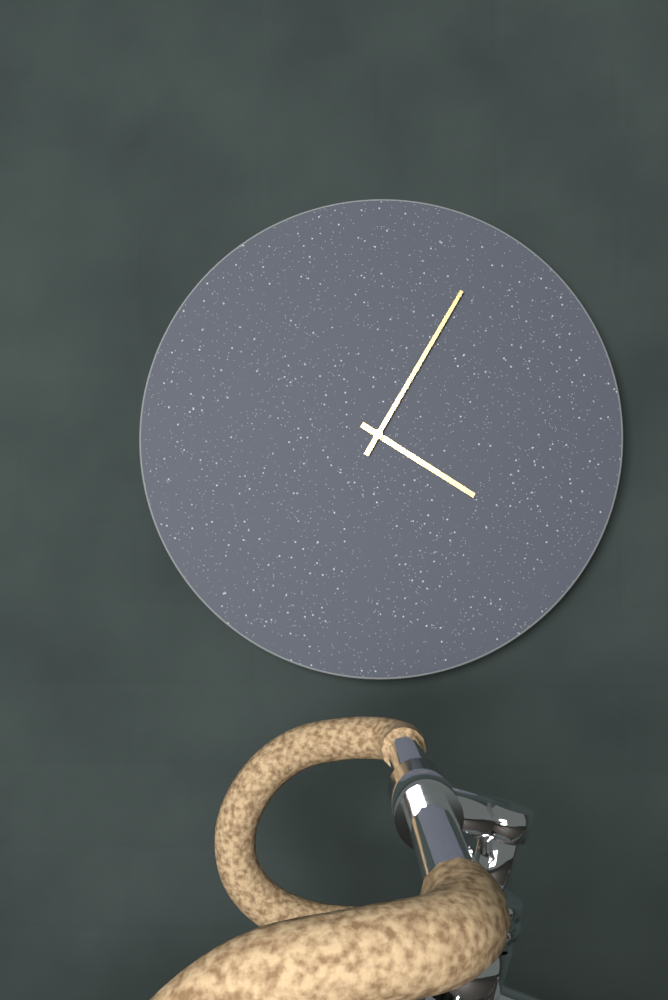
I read {"hour": 4, "minute": 5}
